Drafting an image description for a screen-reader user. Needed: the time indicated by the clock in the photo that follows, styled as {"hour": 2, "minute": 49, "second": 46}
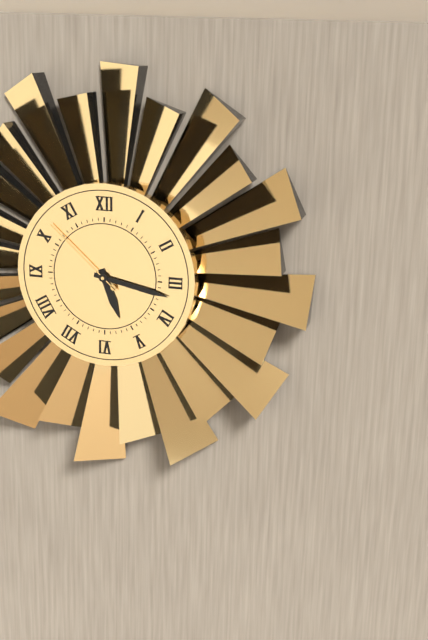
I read {"hour": 5, "minute": 17, "second": 52}
